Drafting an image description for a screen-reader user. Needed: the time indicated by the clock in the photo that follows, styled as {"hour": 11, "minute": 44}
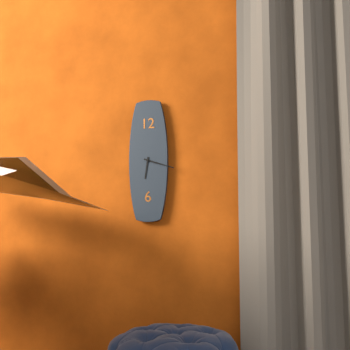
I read {"hour": 6, "minute": 18}
